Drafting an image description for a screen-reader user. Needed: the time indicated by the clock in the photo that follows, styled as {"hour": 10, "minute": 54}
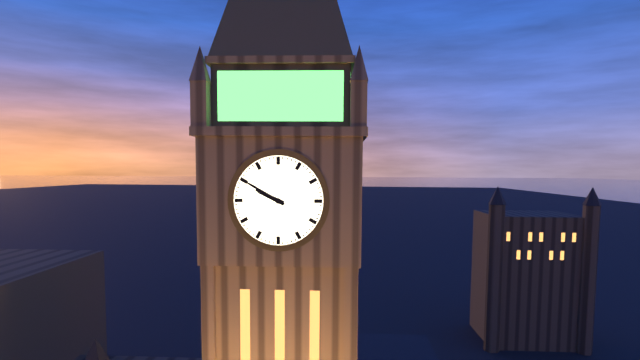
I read {"hour": 9, "minute": 50}
